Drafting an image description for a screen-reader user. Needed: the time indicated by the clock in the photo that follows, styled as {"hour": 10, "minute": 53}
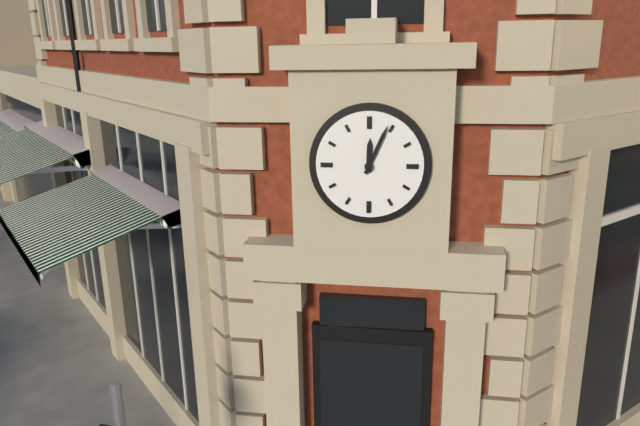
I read {"hour": 12, "minute": 4}
